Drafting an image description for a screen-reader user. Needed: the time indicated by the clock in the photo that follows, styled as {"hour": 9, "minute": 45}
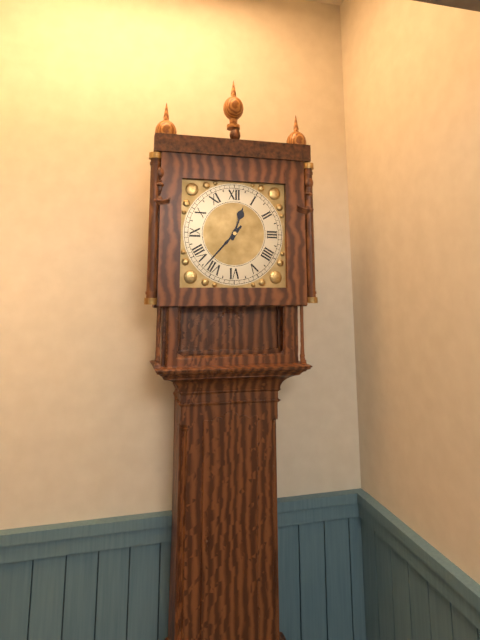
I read {"hour": 12, "minute": 37}
